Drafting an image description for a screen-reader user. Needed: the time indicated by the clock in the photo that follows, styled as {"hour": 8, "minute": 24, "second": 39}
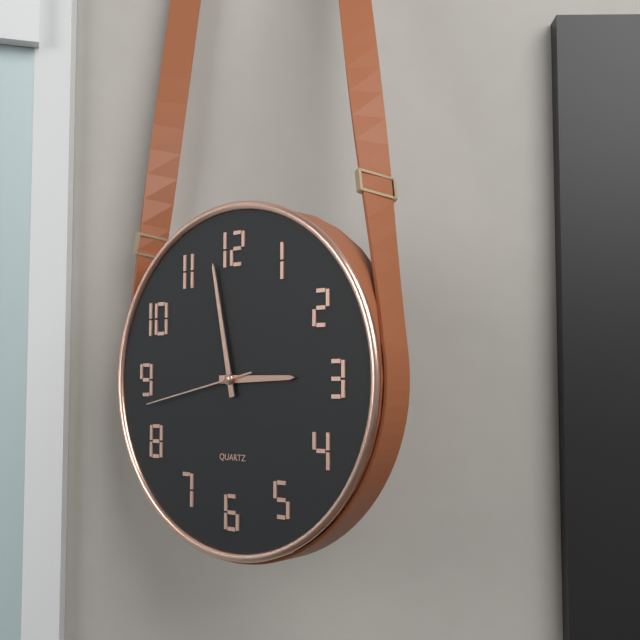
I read {"hour": 2, "minute": 58, "second": 43}
